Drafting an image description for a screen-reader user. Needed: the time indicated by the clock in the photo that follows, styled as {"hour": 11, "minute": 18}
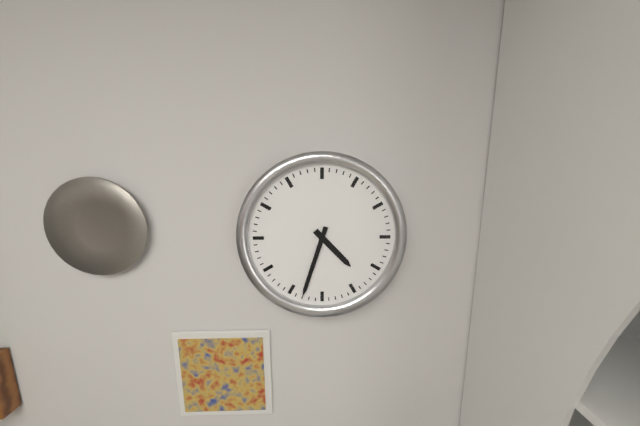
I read {"hour": 4, "minute": 33}
